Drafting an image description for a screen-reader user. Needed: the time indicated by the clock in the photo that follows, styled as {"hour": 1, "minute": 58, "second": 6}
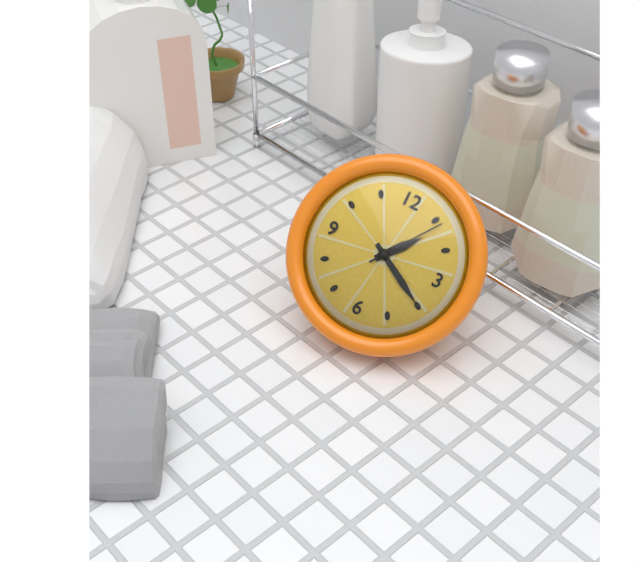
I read {"hour": 1, "minute": 20, "second": 6}
